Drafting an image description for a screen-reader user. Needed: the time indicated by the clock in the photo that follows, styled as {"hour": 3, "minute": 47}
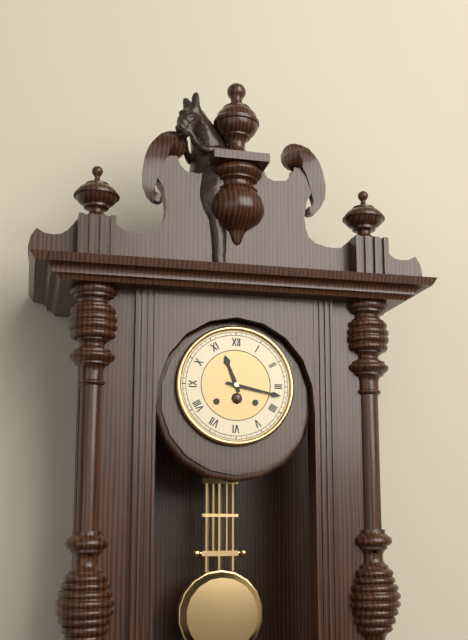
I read {"hour": 11, "minute": 17}
